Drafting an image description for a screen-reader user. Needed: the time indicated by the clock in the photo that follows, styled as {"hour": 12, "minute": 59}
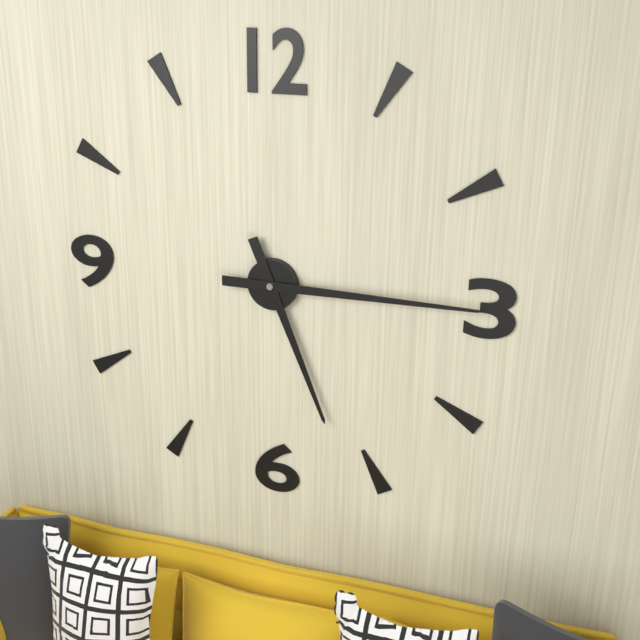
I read {"hour": 5, "minute": 15}
